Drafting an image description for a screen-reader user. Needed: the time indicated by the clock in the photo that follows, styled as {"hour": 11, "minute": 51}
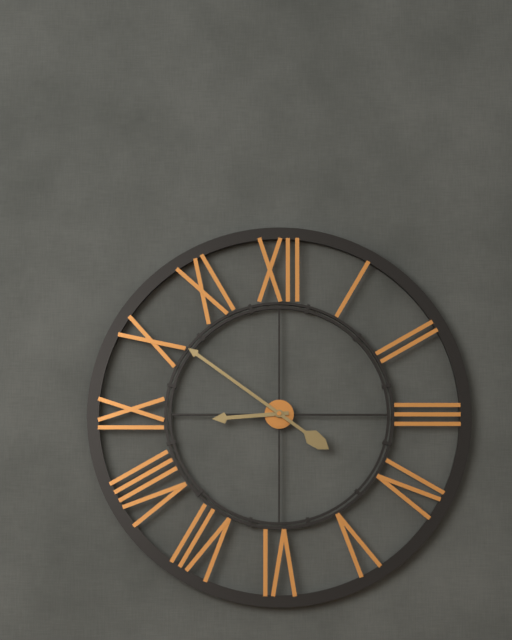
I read {"hour": 8, "minute": 51}
